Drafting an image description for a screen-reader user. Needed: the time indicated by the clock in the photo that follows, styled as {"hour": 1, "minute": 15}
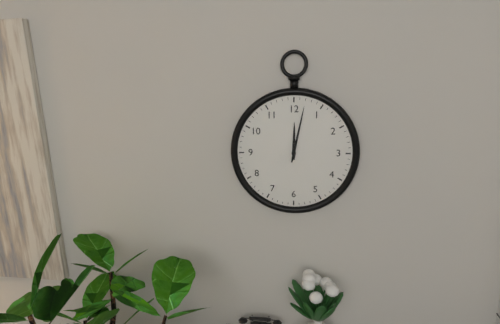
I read {"hour": 12, "minute": 2}
